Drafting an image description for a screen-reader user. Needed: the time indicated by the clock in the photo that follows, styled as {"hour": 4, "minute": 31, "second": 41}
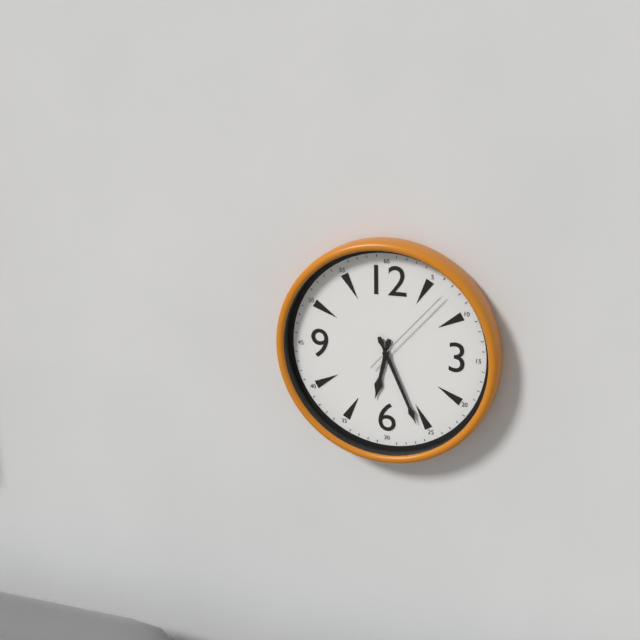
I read {"hour": 6, "minute": 26, "second": 7}
